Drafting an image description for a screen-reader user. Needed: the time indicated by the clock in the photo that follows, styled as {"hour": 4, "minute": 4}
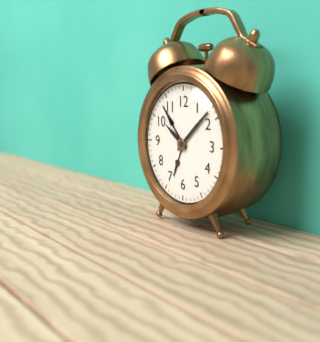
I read {"hour": 10, "minute": 8}
